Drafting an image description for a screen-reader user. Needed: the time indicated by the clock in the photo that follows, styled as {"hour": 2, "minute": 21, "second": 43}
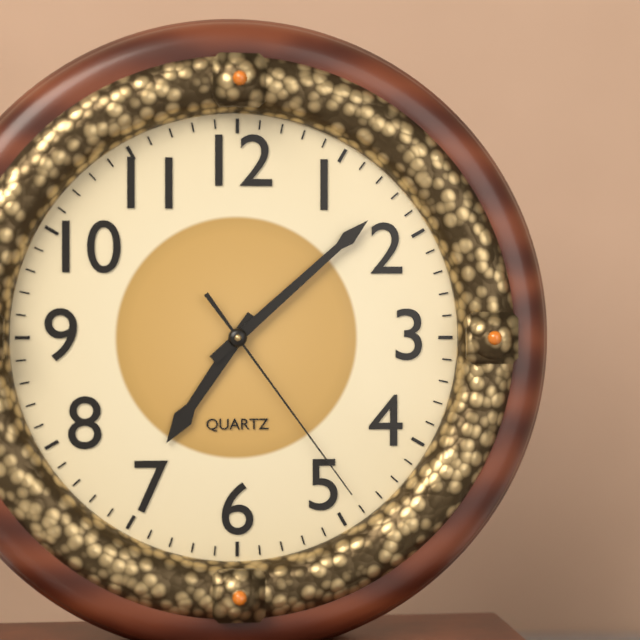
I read {"hour": 7, "minute": 8, "second": 24}
